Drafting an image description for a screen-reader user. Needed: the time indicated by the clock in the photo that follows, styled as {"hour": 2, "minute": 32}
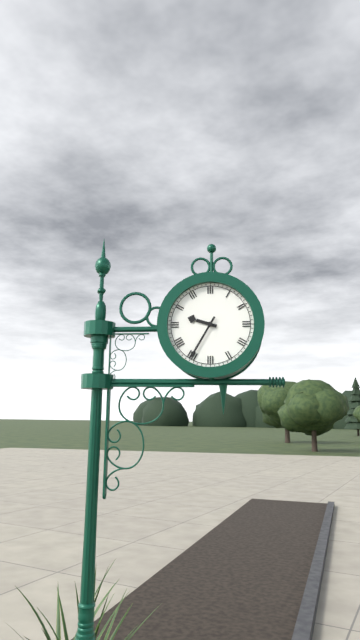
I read {"hour": 9, "minute": 35}
